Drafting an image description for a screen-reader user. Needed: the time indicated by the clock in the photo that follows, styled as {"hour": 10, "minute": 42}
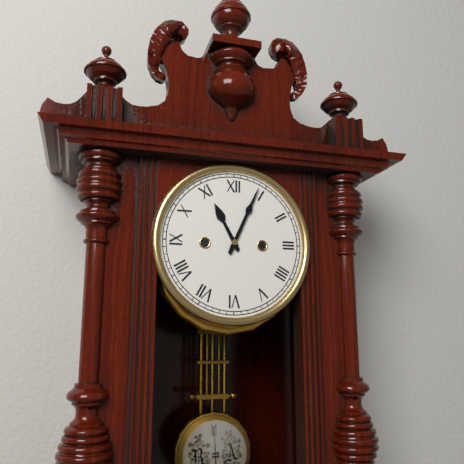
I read {"hour": 11, "minute": 4}
